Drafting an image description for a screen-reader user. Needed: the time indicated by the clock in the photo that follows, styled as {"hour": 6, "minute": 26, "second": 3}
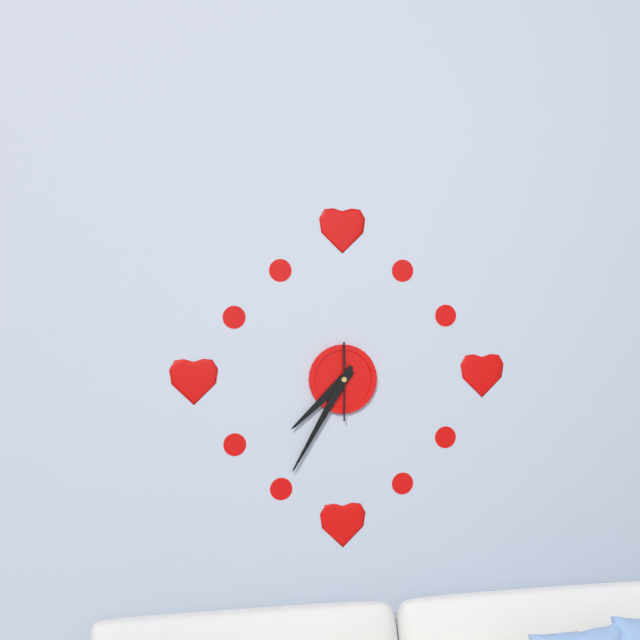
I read {"hour": 7, "minute": 35, "second": 30}
